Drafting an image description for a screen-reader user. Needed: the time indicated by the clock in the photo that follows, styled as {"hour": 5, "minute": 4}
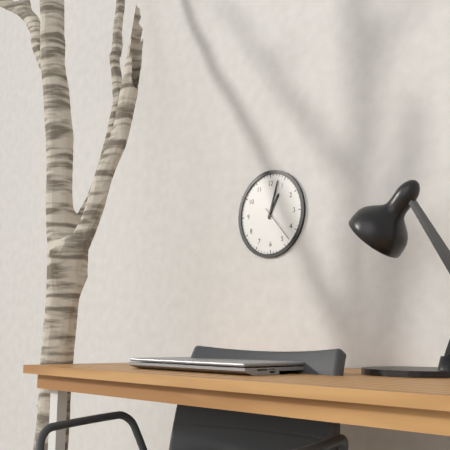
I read {"hour": 1, "minute": 3}
